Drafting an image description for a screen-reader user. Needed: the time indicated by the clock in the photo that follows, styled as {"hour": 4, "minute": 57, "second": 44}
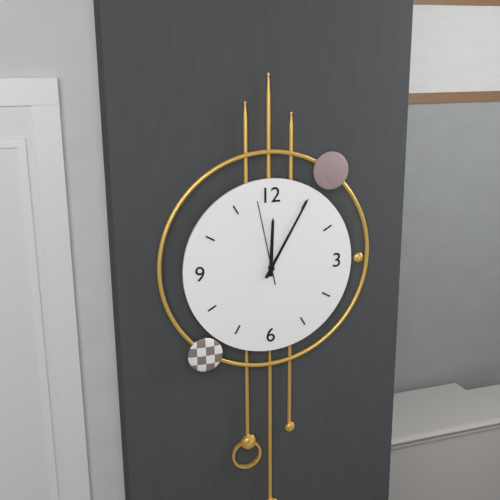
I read {"hour": 12, "minute": 5, "second": 58}
